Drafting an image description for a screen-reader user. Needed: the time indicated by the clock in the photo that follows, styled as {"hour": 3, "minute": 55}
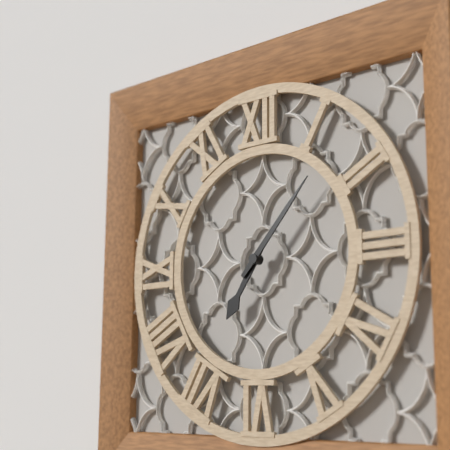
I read {"hour": 7, "minute": 7}
